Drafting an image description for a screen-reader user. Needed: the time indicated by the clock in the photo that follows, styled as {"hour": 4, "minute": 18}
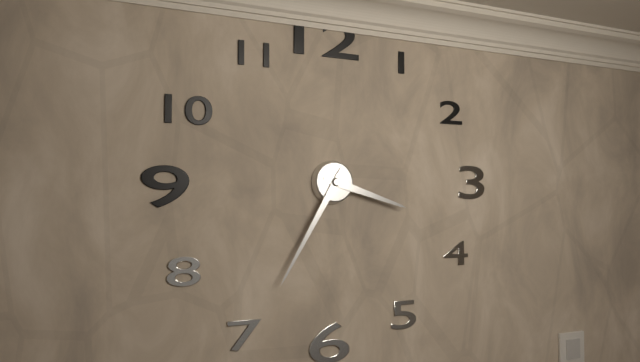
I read {"hour": 3, "minute": 35}
